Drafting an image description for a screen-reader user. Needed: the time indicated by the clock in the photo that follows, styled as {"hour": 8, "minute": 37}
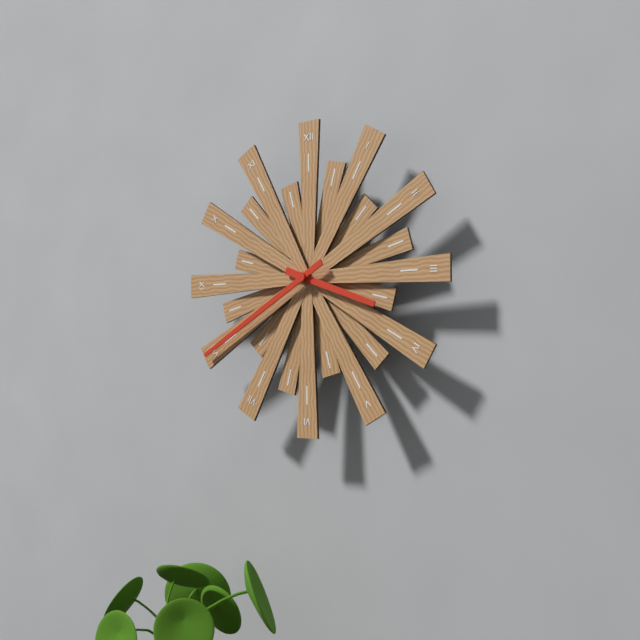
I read {"hour": 3, "minute": 40}
